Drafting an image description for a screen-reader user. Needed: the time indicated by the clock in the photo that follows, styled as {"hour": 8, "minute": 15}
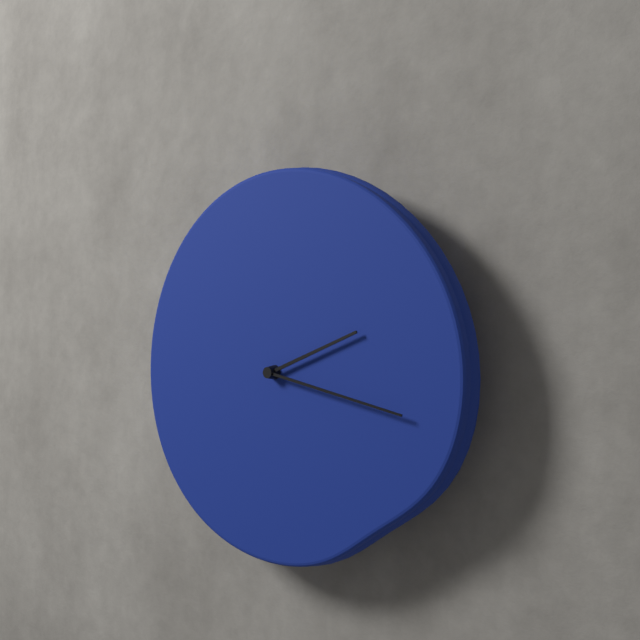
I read {"hour": 2, "minute": 17}
